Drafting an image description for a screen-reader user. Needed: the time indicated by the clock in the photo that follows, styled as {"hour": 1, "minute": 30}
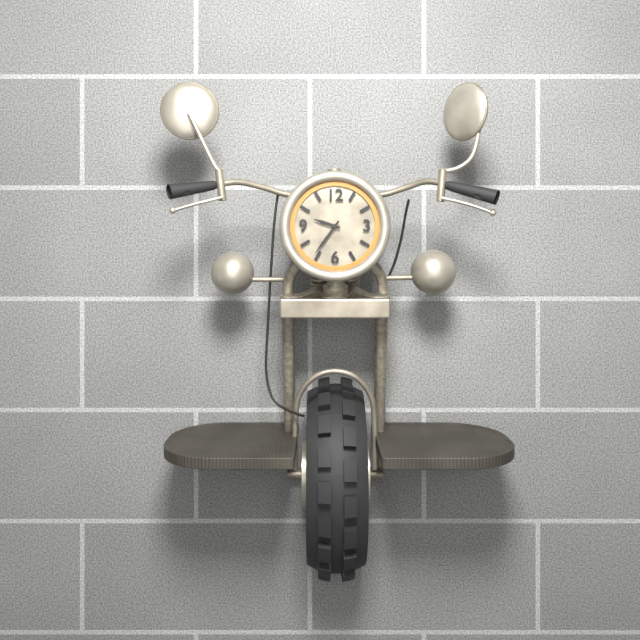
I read {"hour": 9, "minute": 36}
